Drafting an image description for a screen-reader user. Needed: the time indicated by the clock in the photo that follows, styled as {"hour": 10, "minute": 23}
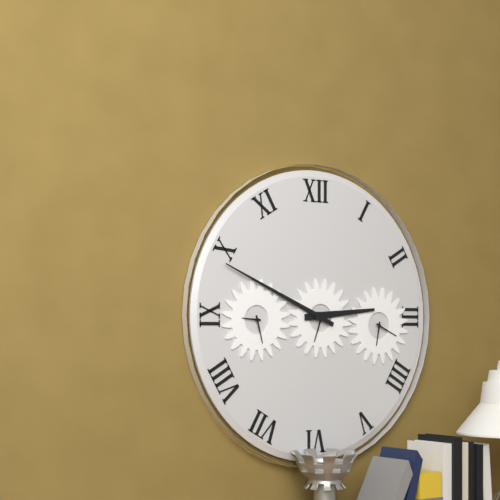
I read {"hour": 2, "minute": 49}
